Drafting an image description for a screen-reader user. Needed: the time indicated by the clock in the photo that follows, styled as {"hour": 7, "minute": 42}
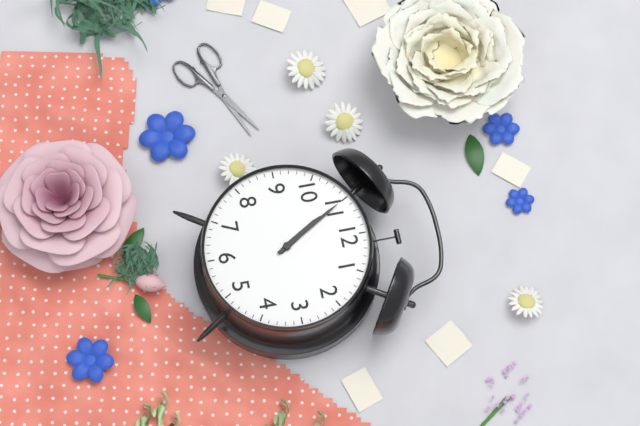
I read {"hour": 10, "minute": 55}
